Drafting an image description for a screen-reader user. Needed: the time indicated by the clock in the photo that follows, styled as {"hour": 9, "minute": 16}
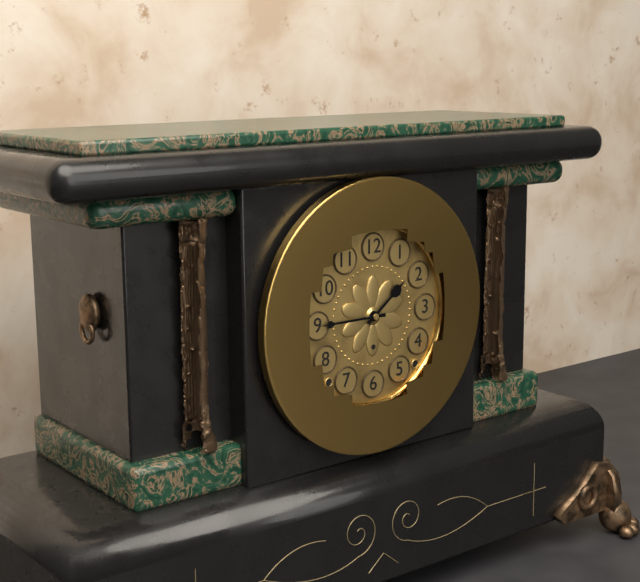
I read {"hour": 1, "minute": 45}
